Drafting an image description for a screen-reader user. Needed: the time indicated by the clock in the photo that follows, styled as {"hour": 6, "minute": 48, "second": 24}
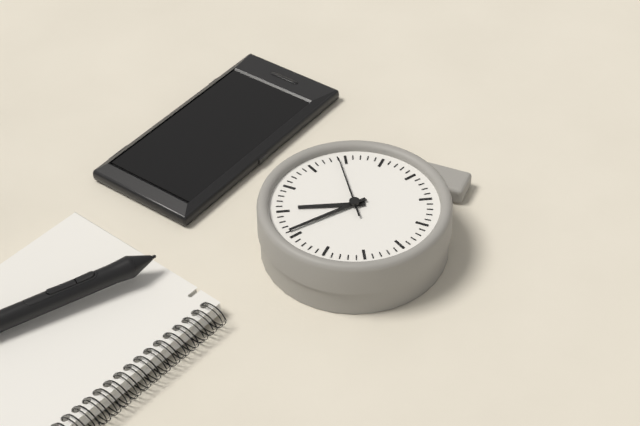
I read {"hour": 2, "minute": 6, "second": 24}
